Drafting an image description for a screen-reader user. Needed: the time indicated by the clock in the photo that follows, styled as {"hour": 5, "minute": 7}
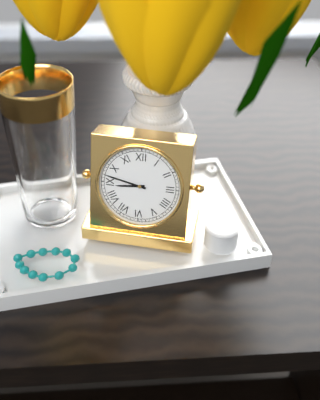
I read {"hour": 8, "minute": 47}
